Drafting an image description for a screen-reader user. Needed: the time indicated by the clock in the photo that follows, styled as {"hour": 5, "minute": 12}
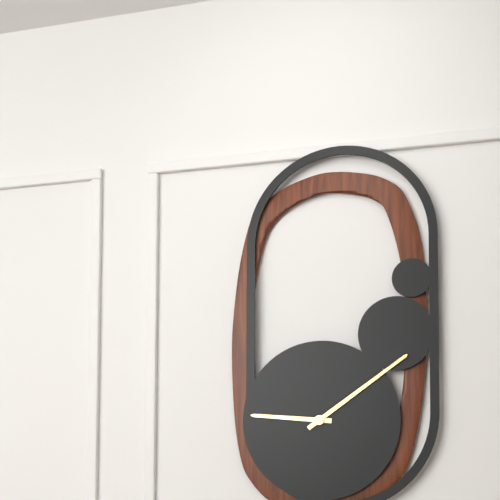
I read {"hour": 9, "minute": 9}
